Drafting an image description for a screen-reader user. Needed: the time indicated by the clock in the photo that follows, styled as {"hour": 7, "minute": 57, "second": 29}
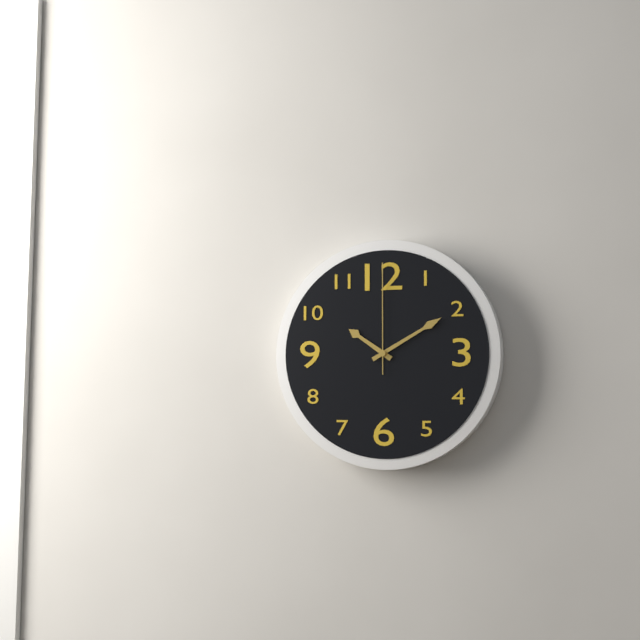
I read {"hour": 10, "minute": 10, "second": 0}
